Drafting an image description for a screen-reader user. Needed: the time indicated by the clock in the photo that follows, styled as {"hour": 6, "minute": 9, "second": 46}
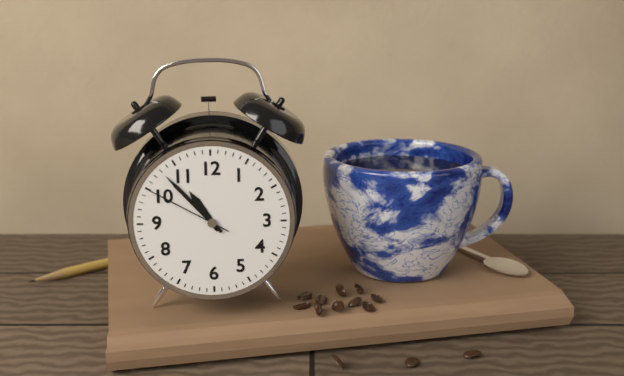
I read {"hour": 10, "minute": 53, "second": 50}
